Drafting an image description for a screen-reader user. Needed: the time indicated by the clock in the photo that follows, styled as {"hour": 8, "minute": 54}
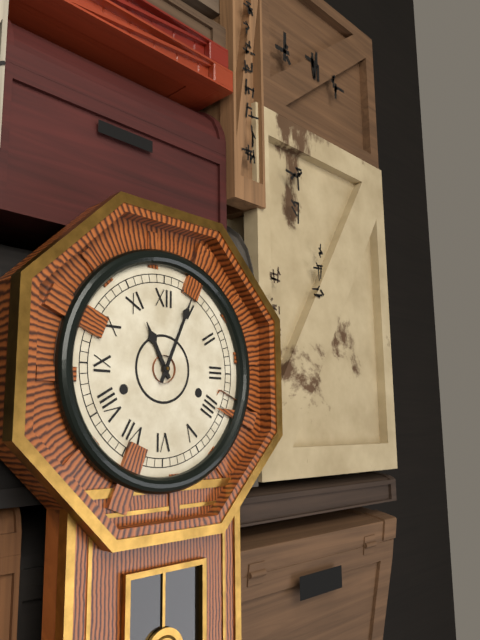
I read {"hour": 11, "minute": 4}
